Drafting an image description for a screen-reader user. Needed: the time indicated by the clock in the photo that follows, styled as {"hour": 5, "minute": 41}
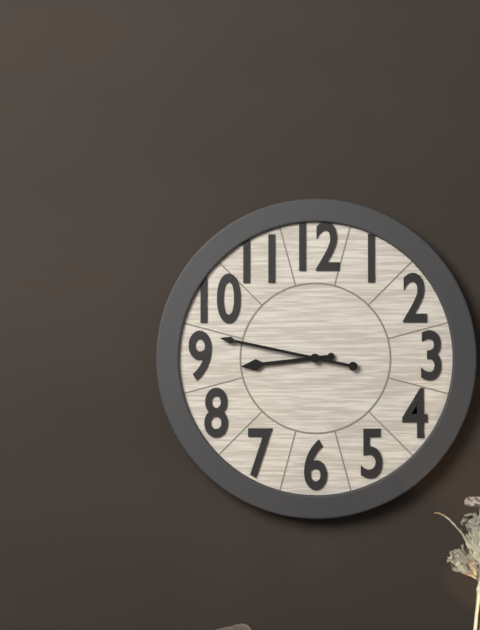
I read {"hour": 8, "minute": 47}
